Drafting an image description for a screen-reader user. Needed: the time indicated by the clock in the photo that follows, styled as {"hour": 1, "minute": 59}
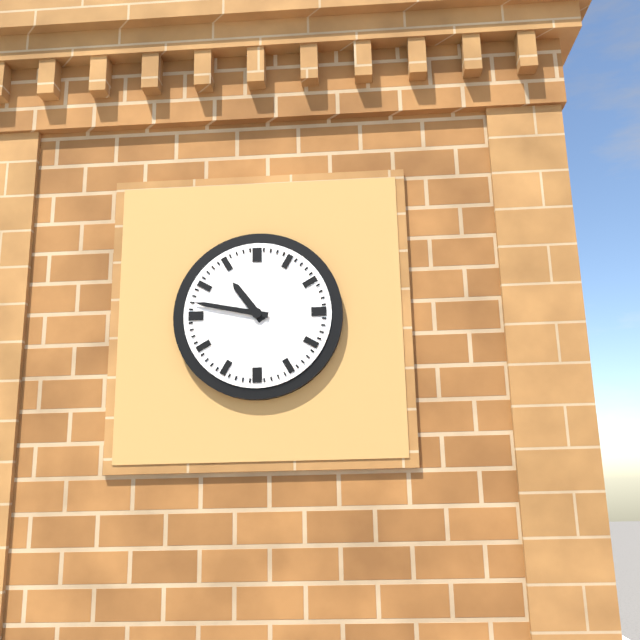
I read {"hour": 10, "minute": 47}
